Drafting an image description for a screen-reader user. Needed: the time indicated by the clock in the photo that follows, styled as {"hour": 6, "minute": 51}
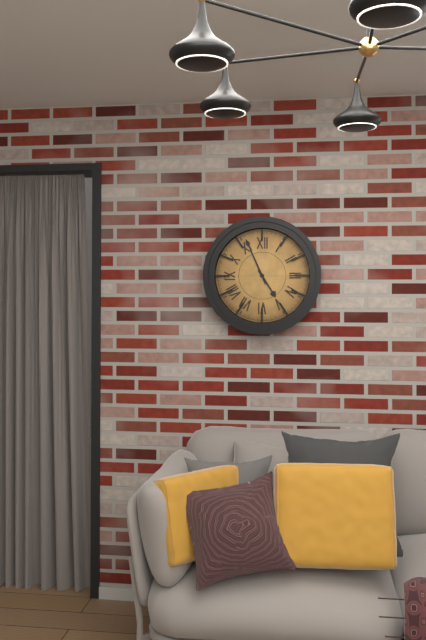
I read {"hour": 4, "minute": 56}
